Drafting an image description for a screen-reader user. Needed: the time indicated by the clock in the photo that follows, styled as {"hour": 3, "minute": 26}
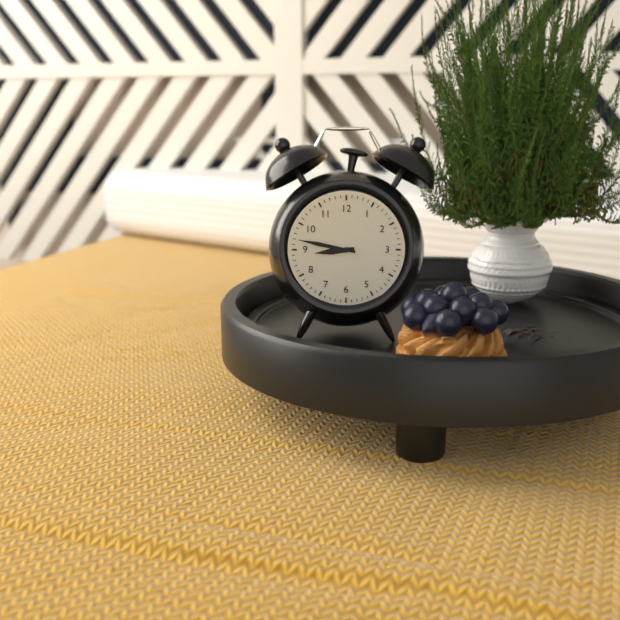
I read {"hour": 8, "minute": 47}
